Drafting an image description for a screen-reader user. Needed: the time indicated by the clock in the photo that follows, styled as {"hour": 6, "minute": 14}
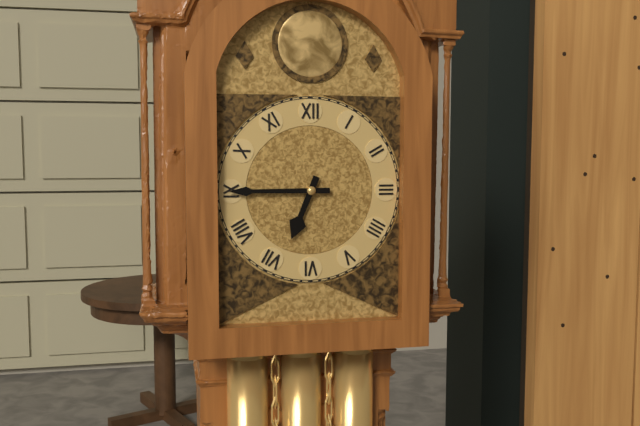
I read {"hour": 6, "minute": 45}
